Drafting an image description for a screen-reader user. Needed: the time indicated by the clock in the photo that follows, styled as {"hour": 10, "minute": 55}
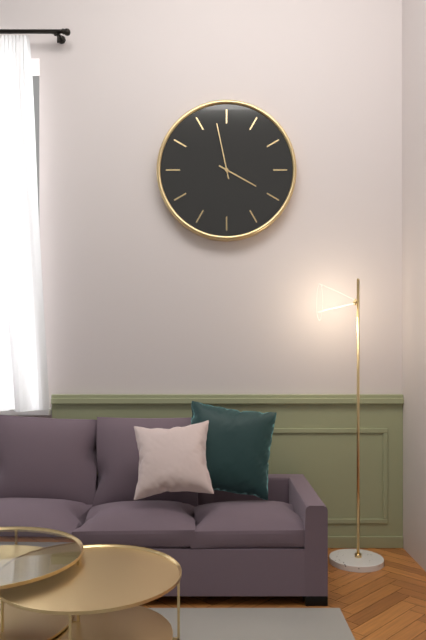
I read {"hour": 3, "minute": 58}
